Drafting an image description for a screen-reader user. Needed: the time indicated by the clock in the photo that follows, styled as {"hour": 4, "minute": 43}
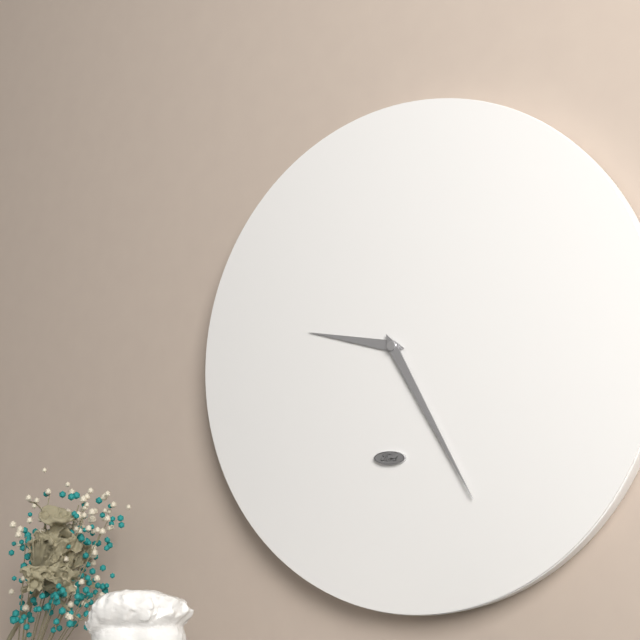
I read {"hour": 9, "minute": 25}
